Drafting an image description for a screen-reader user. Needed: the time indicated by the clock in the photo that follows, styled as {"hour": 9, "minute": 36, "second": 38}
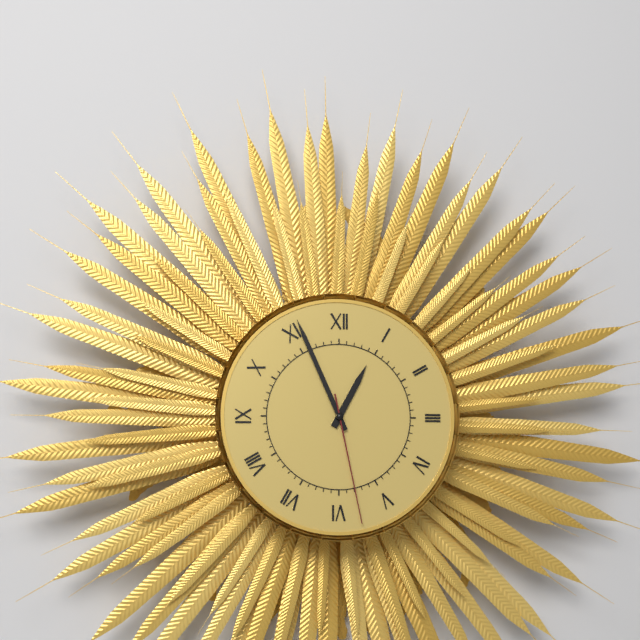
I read {"hour": 12, "minute": 56, "second": 28}
